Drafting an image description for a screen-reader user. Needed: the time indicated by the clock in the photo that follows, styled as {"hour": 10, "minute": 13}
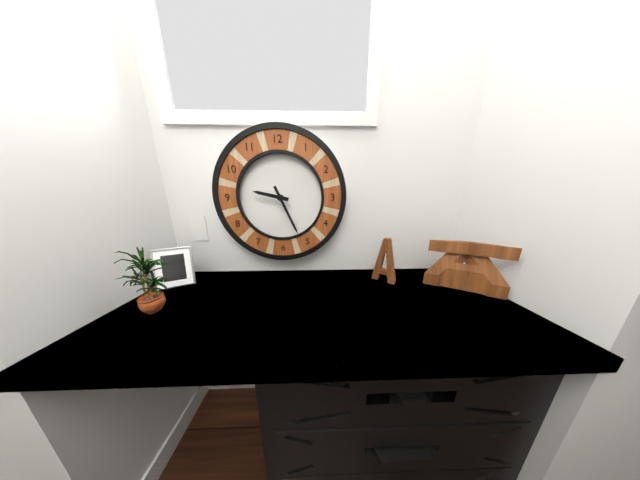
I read {"hour": 9, "minute": 26}
